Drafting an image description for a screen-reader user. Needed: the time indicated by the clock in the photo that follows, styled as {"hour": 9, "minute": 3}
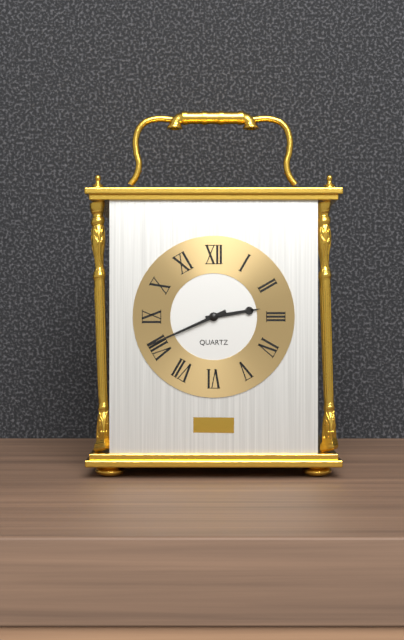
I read {"hour": 2, "minute": 41}
